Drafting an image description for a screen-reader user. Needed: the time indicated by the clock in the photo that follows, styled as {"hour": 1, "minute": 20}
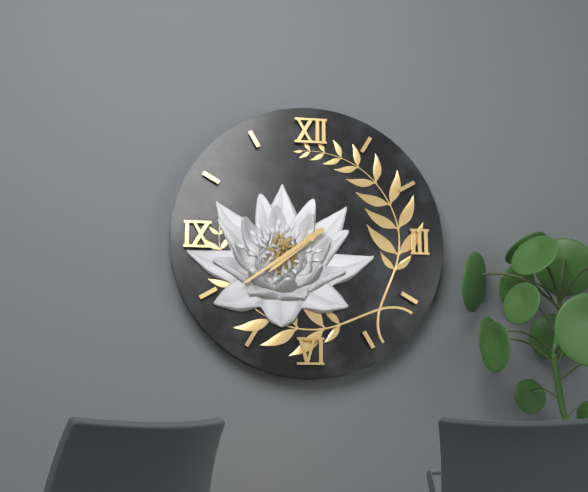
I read {"hour": 7, "minute": 39}
